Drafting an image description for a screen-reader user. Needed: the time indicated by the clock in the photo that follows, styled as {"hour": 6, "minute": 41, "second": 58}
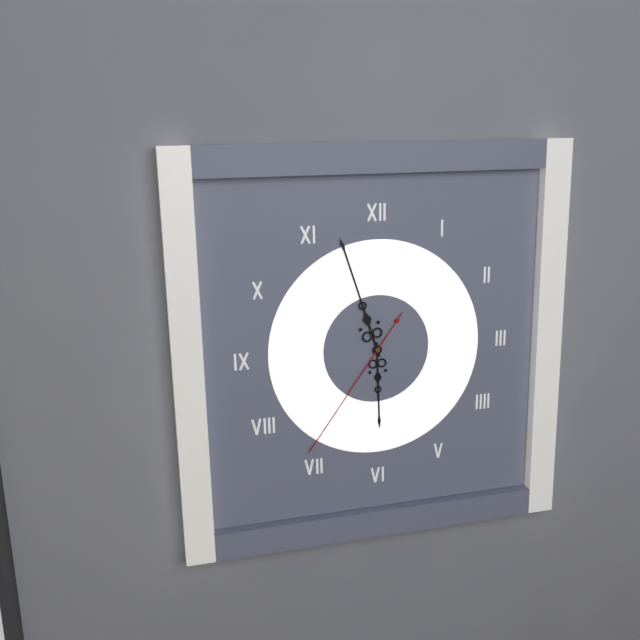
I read {"hour": 5, "minute": 57, "second": 36}
